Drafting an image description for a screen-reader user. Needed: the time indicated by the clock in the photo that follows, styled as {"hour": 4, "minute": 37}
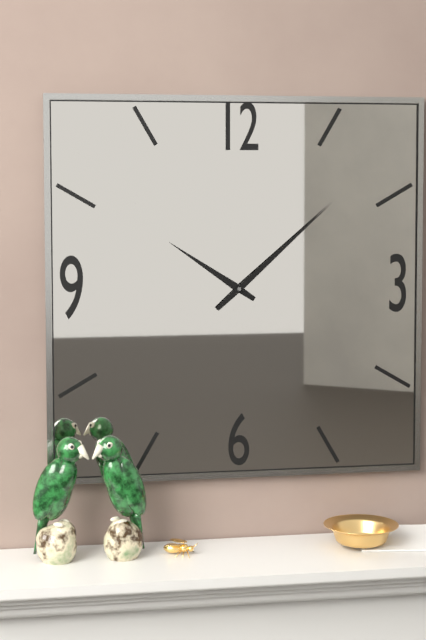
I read {"hour": 10, "minute": 8}
